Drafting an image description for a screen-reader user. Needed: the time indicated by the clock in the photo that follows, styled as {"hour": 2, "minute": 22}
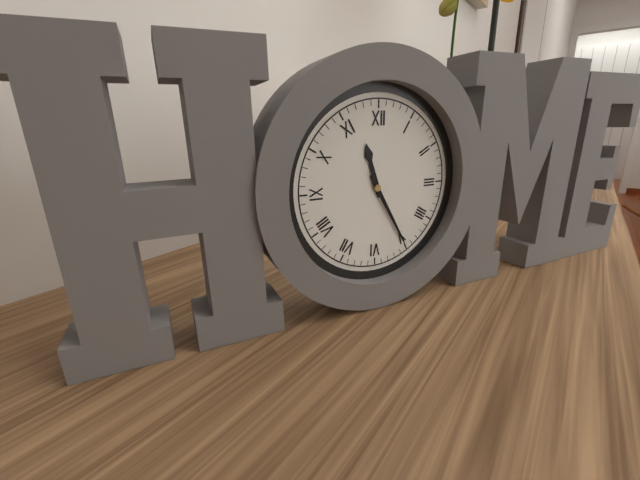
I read {"hour": 11, "minute": 25}
